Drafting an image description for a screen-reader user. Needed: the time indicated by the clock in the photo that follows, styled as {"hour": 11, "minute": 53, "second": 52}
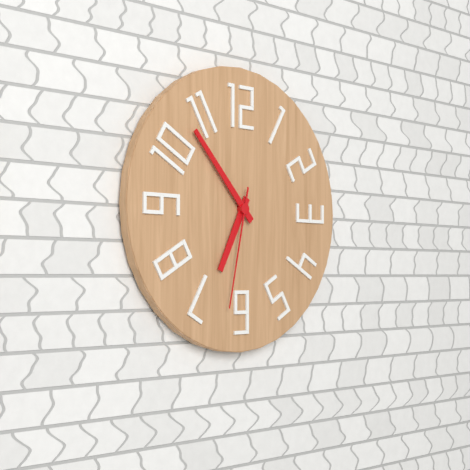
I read {"hour": 6, "minute": 53, "second": 32}
